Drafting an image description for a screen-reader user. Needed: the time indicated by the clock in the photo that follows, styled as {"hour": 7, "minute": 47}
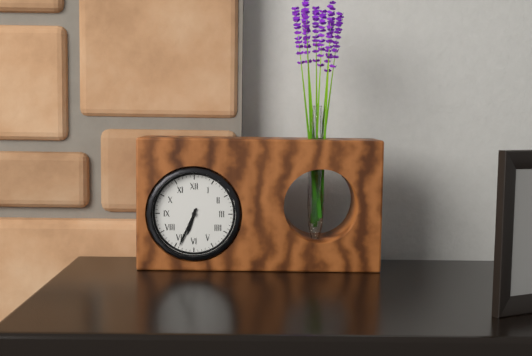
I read {"hour": 6, "minute": 34}
